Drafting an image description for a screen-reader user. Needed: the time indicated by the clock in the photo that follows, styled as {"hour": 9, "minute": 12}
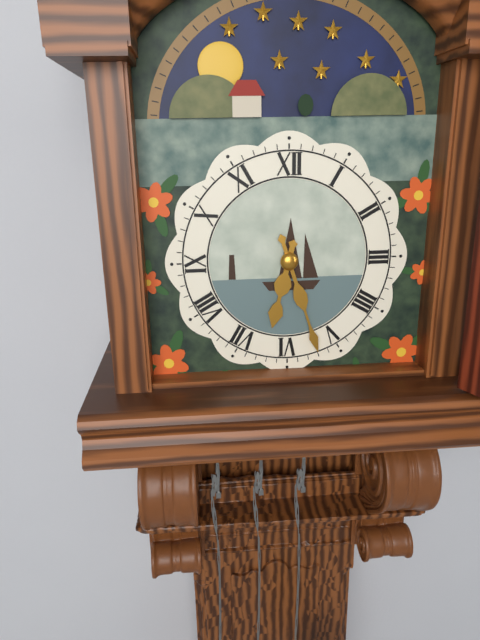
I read {"hour": 6, "minute": 27}
